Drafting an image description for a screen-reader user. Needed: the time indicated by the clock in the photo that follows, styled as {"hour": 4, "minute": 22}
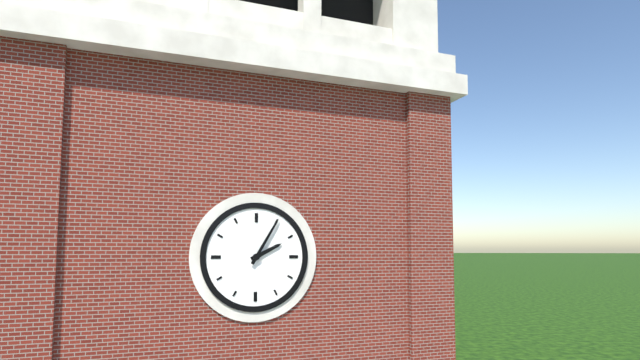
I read {"hour": 2, "minute": 5}
